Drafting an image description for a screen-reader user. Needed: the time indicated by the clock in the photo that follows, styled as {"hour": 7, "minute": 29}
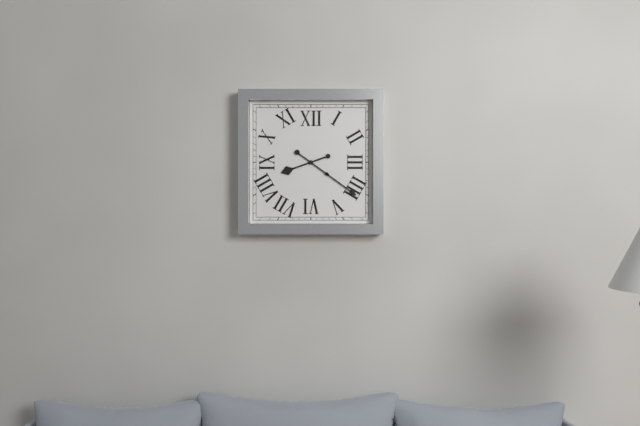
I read {"hour": 8, "minute": 21}
